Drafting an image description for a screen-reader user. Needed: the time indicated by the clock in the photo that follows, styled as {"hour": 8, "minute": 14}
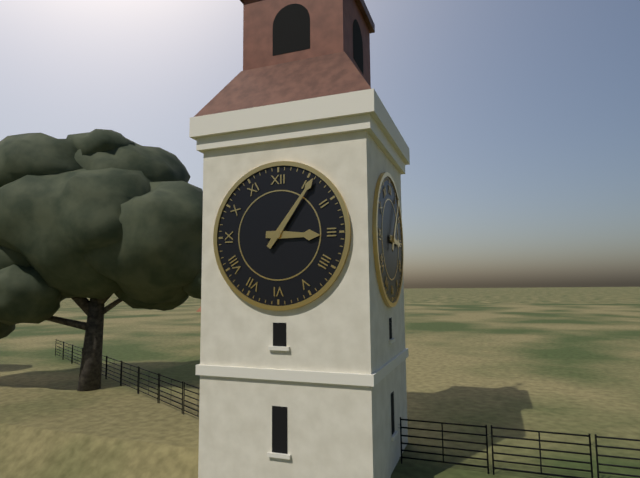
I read {"hour": 3, "minute": 6}
